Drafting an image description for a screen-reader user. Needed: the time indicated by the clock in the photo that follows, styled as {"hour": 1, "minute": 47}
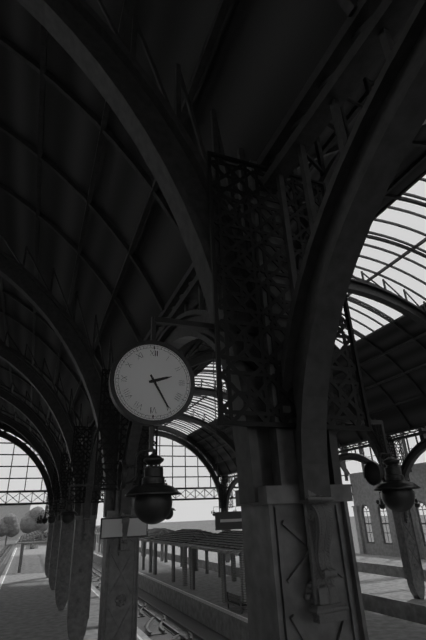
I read {"hour": 2, "minute": 25}
